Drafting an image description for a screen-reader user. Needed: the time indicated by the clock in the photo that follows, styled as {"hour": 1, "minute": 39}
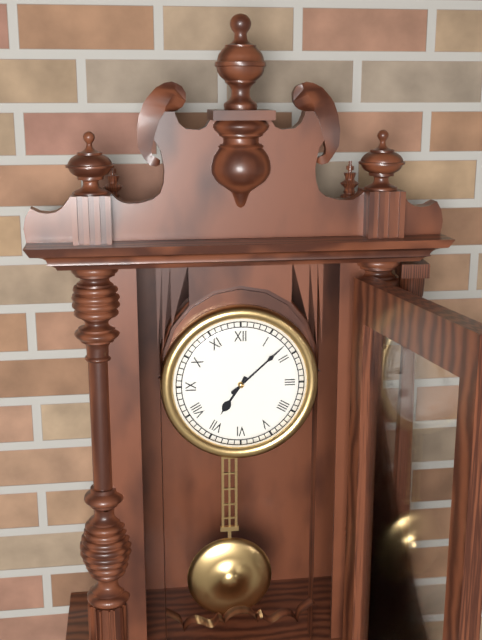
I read {"hour": 7, "minute": 8}
